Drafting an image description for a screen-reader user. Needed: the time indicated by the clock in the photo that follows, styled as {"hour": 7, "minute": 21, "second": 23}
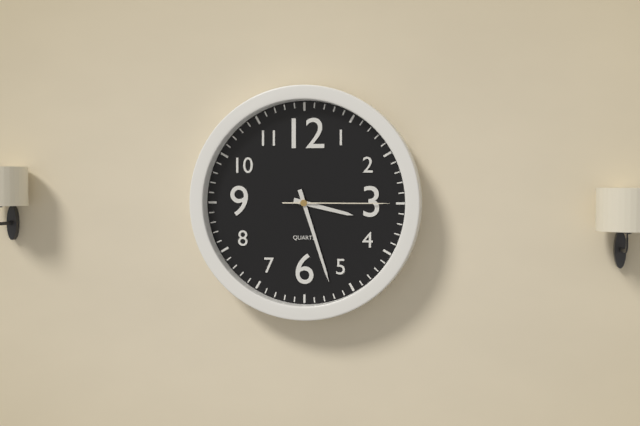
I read {"hour": 3, "minute": 27, "second": 15}
